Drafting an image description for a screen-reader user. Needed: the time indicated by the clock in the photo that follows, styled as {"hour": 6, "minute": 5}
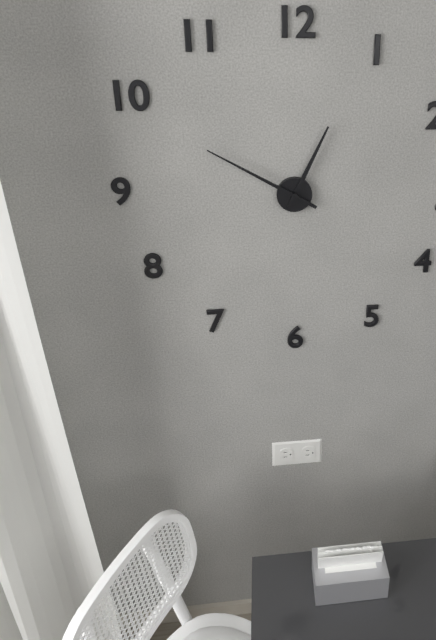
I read {"hour": 12, "minute": 50}
